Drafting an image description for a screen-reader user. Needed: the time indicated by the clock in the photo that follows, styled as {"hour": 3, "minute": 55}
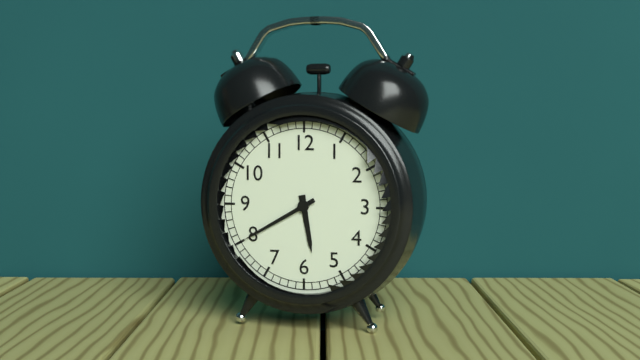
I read {"hour": 5, "minute": 40}
